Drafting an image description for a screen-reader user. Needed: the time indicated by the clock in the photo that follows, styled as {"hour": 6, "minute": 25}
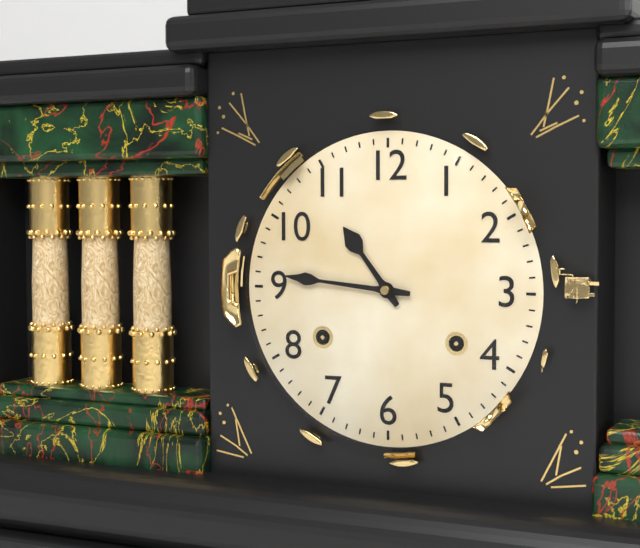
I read {"hour": 10, "minute": 46}
